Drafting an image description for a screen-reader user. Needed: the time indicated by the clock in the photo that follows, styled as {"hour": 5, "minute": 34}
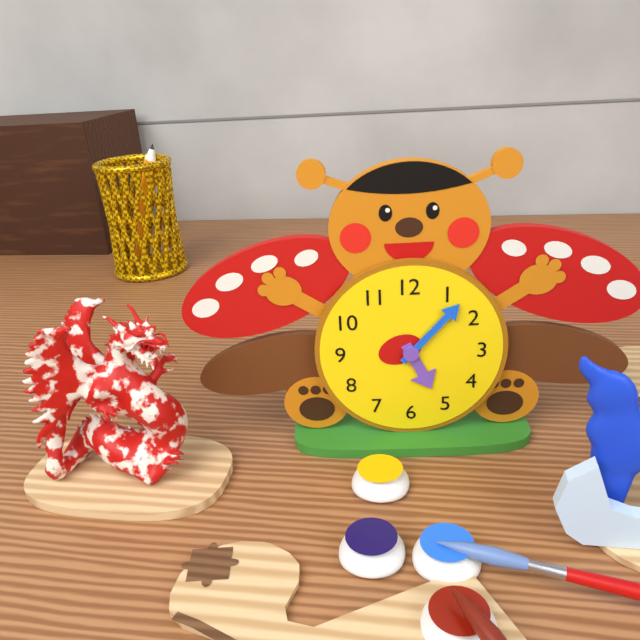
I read {"hour": 5, "minute": 7}
